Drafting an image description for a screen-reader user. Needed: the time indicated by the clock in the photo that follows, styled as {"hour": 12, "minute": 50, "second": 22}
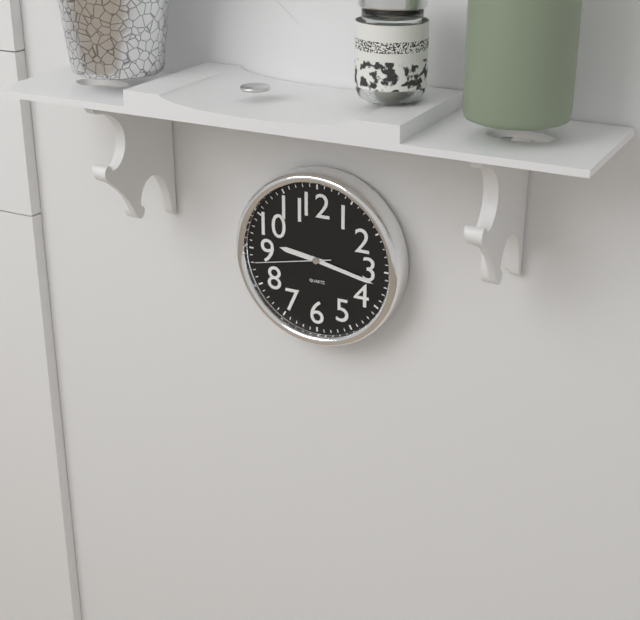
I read {"hour": 9, "minute": 17, "second": 43}
